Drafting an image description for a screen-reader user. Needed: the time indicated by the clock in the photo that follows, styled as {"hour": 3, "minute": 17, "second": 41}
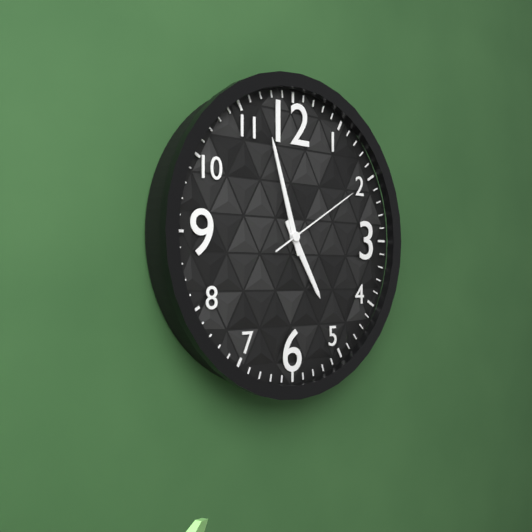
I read {"hour": 4, "minute": 57, "second": 10}
